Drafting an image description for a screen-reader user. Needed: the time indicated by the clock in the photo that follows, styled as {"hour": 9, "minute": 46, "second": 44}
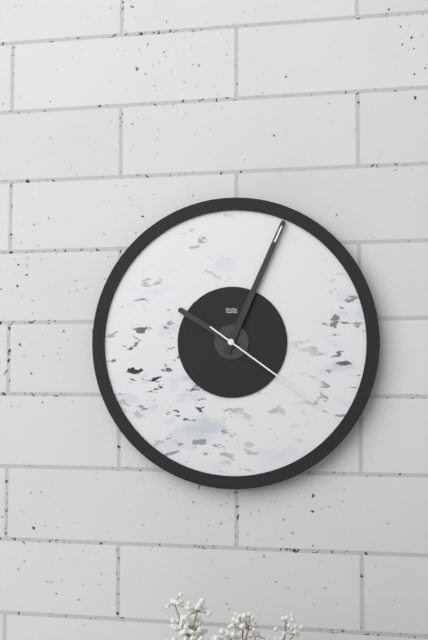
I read {"hour": 10, "minute": 4, "second": 21}
